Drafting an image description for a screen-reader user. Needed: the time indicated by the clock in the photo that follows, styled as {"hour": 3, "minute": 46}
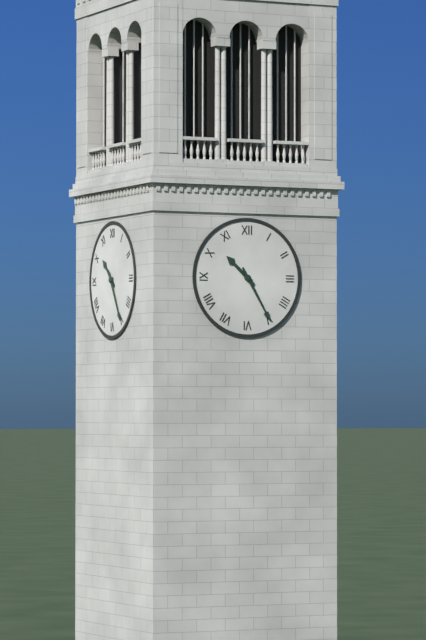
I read {"hour": 10, "minute": 25}
